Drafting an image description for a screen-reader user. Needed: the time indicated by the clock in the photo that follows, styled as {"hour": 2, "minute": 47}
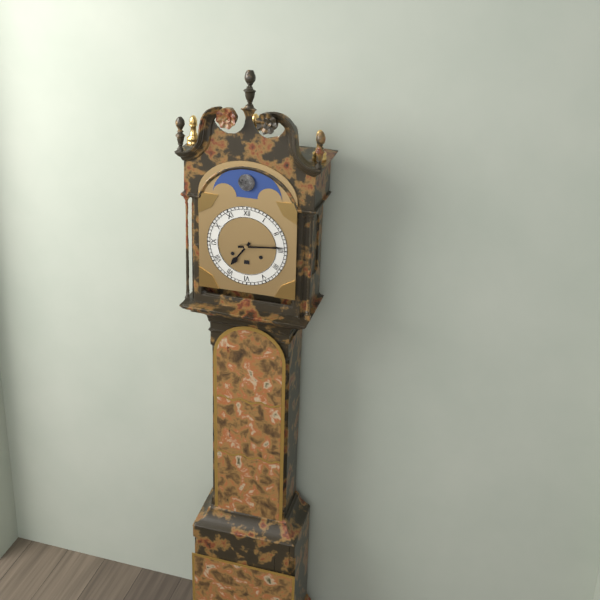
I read {"hour": 7, "minute": 14}
